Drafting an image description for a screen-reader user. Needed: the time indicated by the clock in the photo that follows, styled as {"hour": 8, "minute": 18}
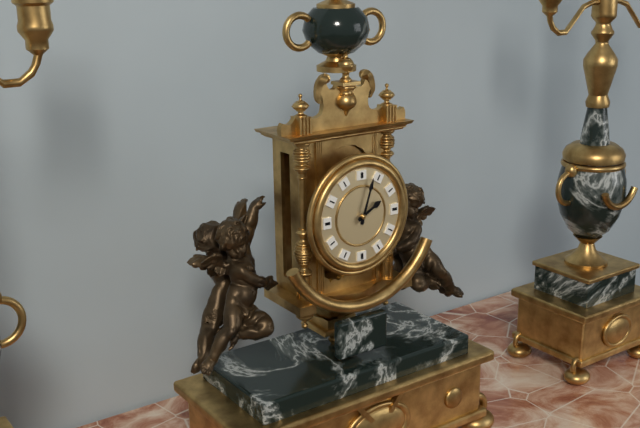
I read {"hour": 2, "minute": 3}
